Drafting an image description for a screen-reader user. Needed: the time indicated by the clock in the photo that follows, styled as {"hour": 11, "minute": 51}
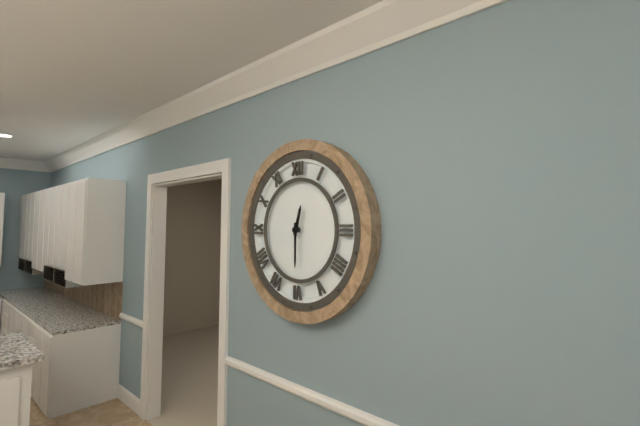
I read {"hour": 12, "minute": 30}
